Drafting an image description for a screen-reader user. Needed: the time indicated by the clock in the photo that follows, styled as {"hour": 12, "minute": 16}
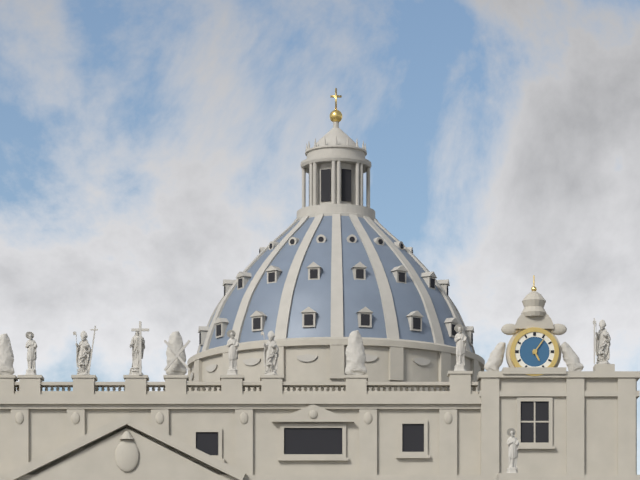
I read {"hour": 5, "minute": 6}
